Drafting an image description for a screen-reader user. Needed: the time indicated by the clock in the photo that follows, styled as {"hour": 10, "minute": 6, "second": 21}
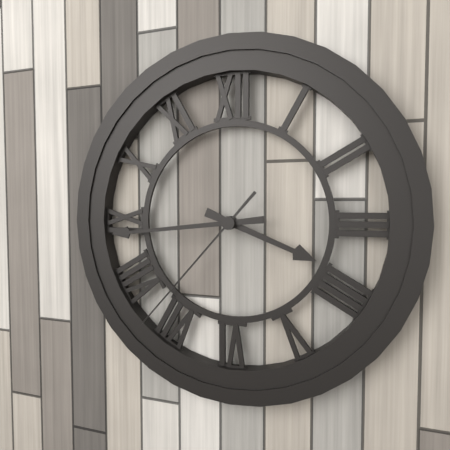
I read {"hour": 3, "minute": 44, "second": 37}
